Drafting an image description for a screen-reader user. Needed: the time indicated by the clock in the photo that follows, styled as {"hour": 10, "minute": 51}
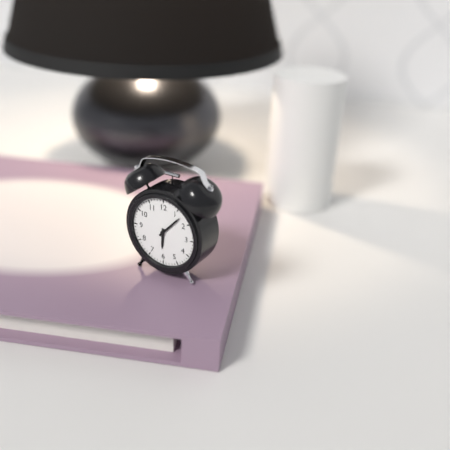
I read {"hour": 6, "minute": 7}
